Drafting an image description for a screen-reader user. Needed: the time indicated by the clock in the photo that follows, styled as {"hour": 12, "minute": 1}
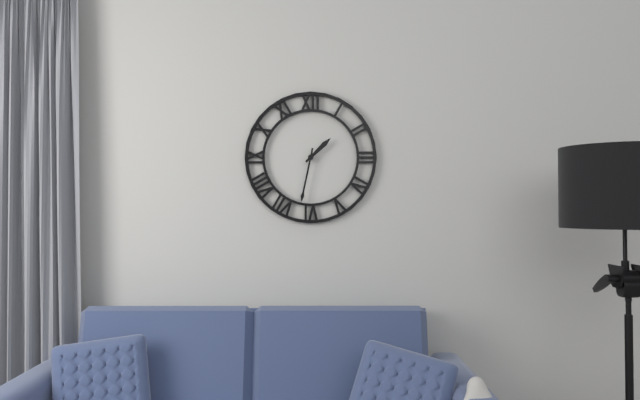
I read {"hour": 1, "minute": 32}
